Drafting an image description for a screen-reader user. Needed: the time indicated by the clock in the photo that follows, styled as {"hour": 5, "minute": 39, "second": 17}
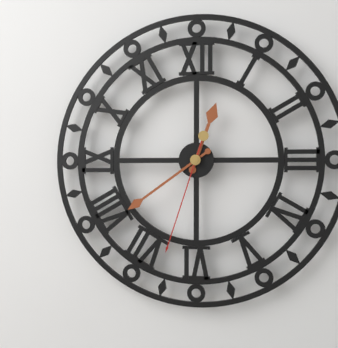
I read {"hour": 12, "minute": 39, "second": 33}
